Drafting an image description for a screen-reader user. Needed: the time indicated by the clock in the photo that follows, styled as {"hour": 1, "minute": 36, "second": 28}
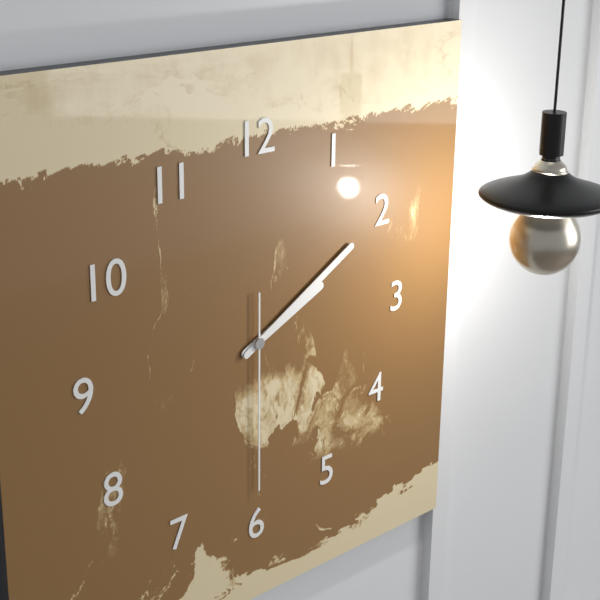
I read {"hour": 2, "minute": 10, "second": 30}
